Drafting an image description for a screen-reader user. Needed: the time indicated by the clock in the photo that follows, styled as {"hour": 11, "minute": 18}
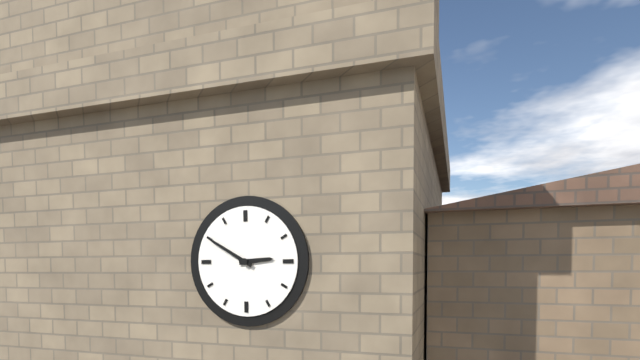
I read {"hour": 2, "minute": 50}
